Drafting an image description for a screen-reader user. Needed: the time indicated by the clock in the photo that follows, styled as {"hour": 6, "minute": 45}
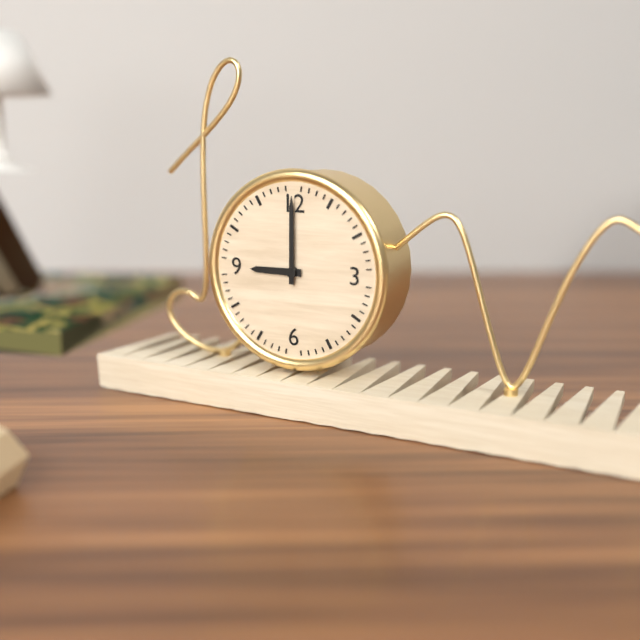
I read {"hour": 9, "minute": 0}
